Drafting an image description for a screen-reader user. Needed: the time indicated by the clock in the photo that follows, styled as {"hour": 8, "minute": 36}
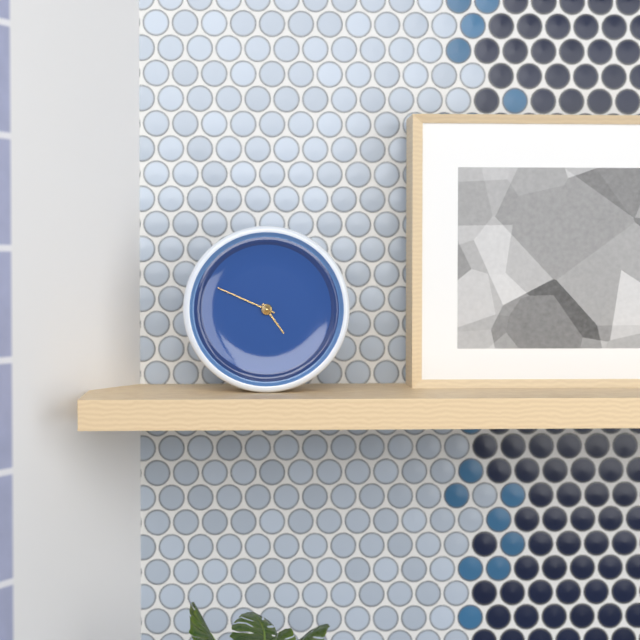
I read {"hour": 4, "minute": 49}
